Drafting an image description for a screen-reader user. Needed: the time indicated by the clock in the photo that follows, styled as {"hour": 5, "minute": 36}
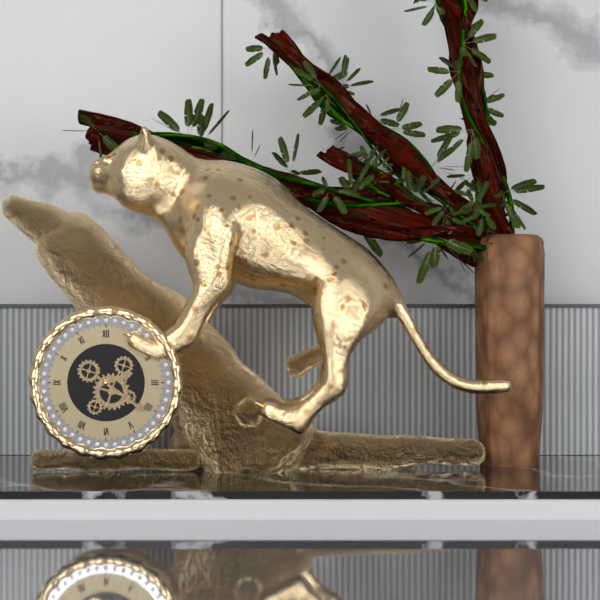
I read {"hour": 2, "minute": 21}
